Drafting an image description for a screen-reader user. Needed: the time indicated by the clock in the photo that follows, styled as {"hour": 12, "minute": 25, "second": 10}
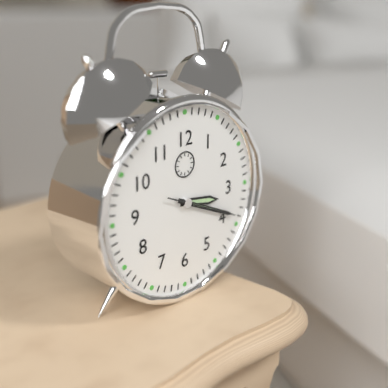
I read {"hour": 3, "minute": 19, "second": 19}
